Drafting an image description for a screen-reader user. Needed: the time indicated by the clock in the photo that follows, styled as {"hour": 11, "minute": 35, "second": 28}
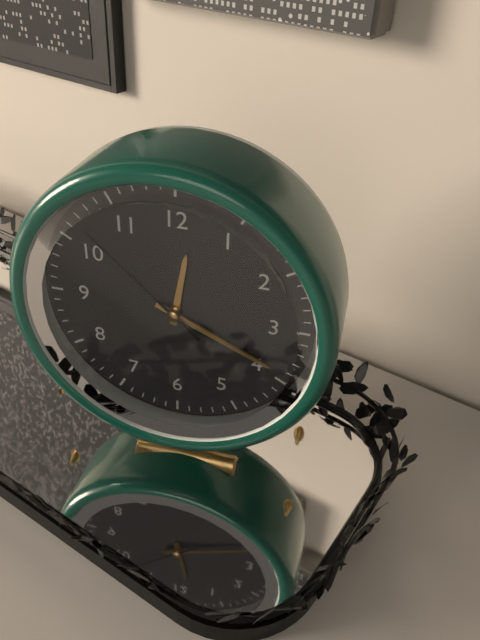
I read {"hour": 12, "minute": 19, "second": 52}
